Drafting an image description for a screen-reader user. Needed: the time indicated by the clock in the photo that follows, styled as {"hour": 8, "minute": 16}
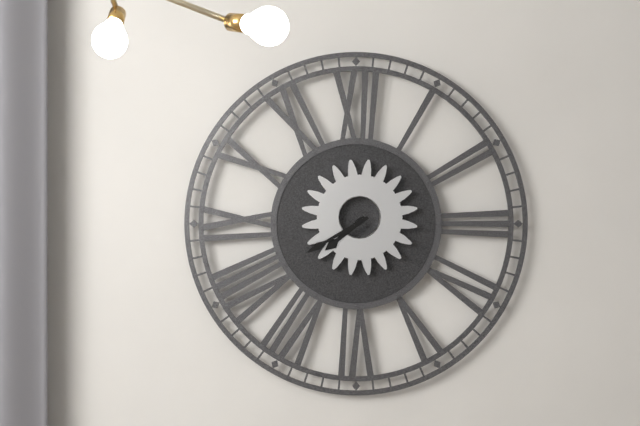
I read {"hour": 7, "minute": 40}
